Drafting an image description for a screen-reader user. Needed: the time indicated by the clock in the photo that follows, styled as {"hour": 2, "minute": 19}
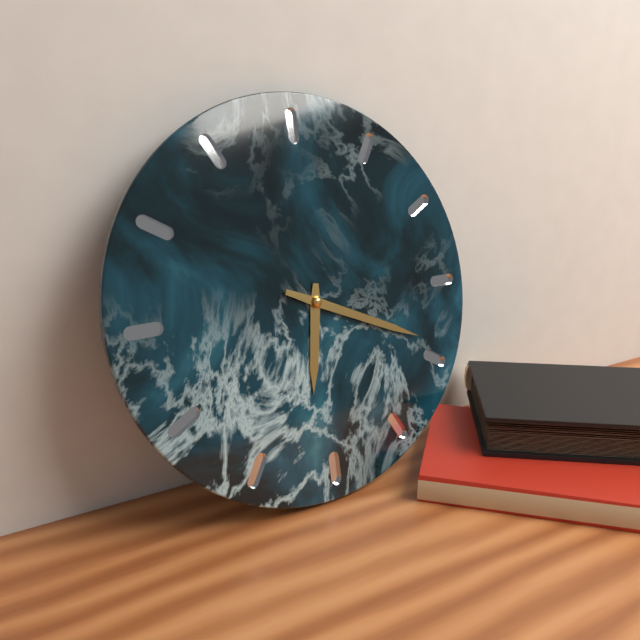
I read {"hour": 6, "minute": 19}
